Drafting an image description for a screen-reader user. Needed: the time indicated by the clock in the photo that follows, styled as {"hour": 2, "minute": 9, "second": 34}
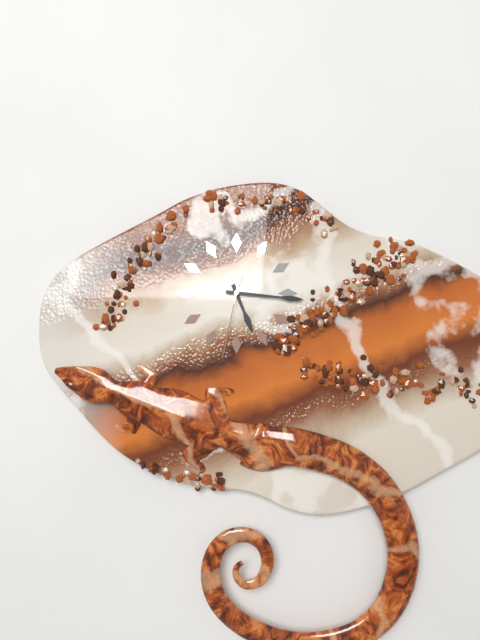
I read {"hour": 5, "minute": 16, "second": 32}
